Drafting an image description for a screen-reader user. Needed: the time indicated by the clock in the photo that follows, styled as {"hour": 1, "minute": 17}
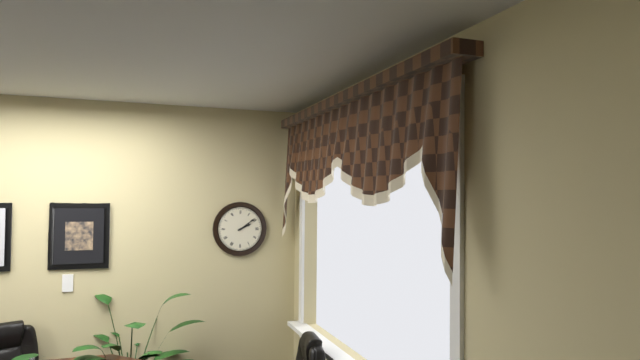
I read {"hour": 2, "minute": 9}
